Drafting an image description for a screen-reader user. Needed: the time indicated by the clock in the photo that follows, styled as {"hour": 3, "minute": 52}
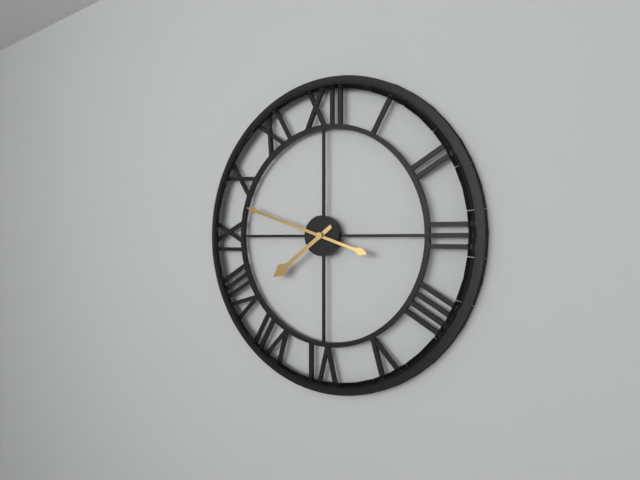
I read {"hour": 7, "minute": 48}
